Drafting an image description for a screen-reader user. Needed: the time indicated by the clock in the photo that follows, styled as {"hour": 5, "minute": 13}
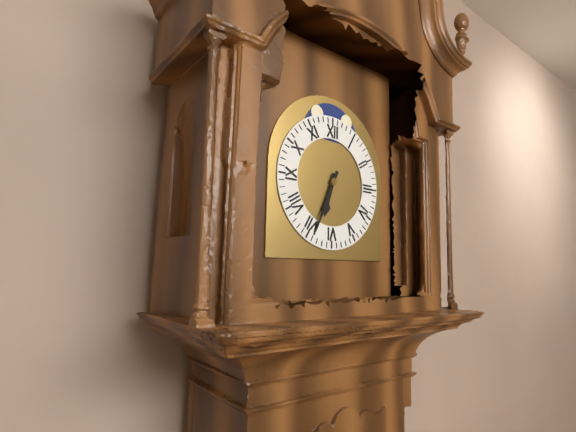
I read {"hour": 6, "minute": 34}
